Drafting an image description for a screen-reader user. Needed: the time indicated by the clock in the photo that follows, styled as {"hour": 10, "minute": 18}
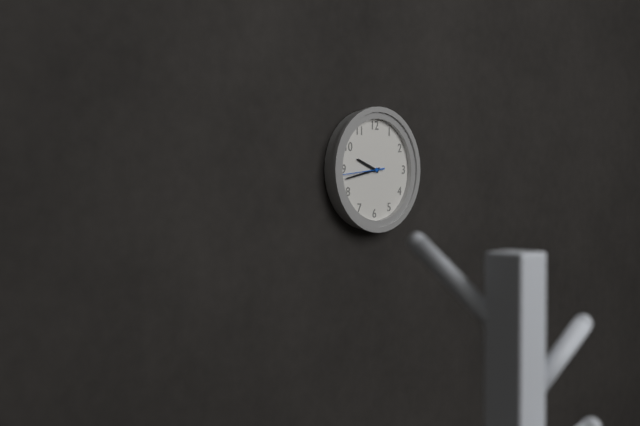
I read {"hour": 9, "minute": 43}
